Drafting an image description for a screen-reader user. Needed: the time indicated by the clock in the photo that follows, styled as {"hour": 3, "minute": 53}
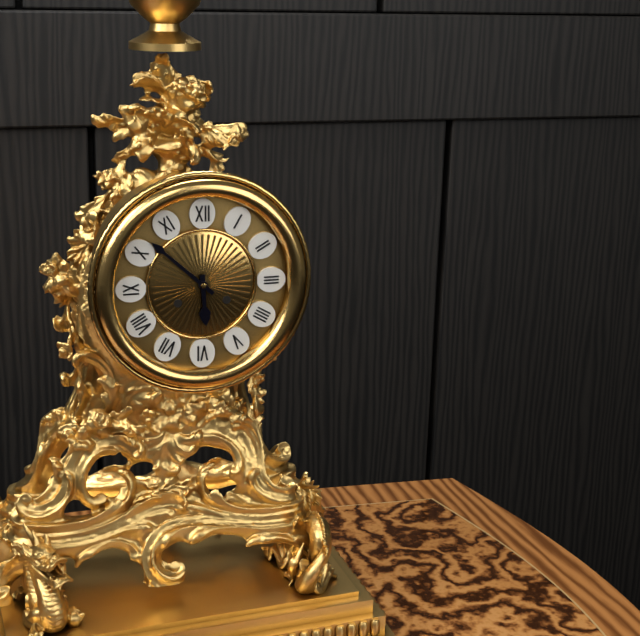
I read {"hour": 5, "minute": 52}
